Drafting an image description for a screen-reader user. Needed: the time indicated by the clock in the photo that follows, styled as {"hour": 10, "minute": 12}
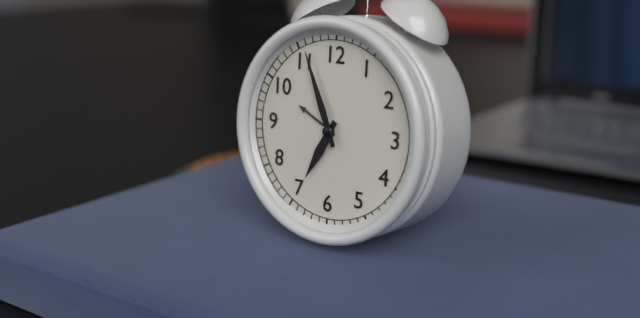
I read {"hour": 6, "minute": 56}
